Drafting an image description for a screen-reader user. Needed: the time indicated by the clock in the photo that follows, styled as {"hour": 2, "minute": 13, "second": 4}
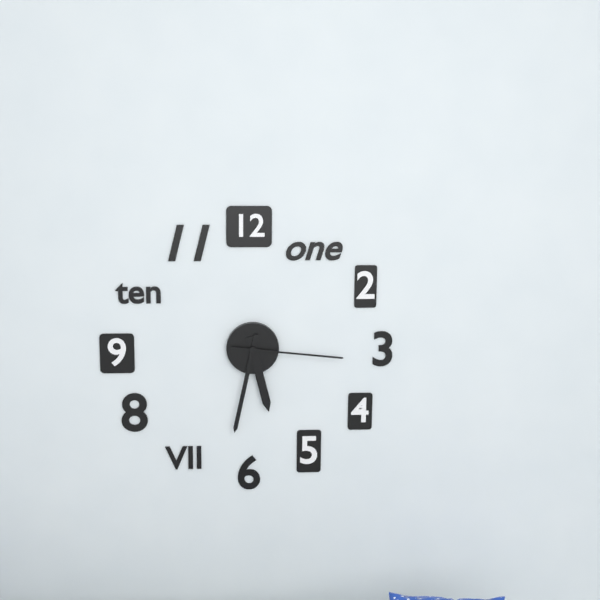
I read {"hour": 5, "minute": 32, "second": 16}
